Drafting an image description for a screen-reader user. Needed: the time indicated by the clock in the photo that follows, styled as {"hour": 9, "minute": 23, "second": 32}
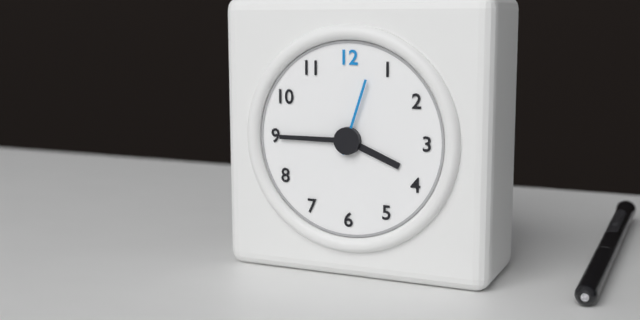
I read {"hour": 3, "minute": 45, "second": 3}
